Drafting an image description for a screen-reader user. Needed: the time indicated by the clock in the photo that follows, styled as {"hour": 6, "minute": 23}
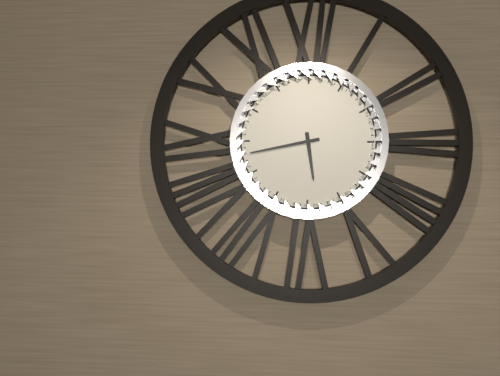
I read {"hour": 5, "minute": 43}
